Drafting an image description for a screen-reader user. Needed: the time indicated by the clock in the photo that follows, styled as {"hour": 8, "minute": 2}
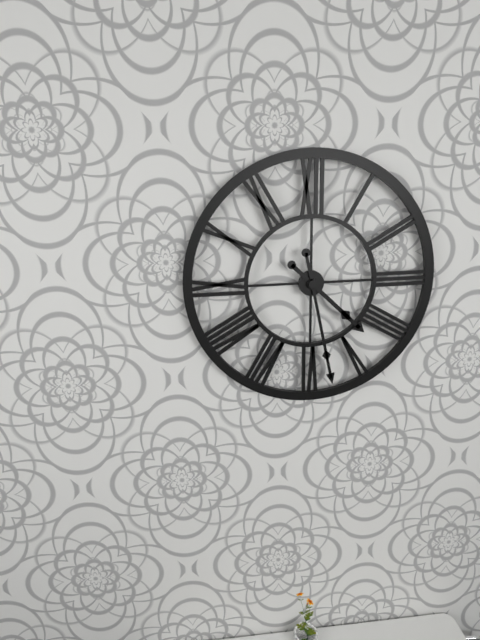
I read {"hour": 4, "minute": 28}
